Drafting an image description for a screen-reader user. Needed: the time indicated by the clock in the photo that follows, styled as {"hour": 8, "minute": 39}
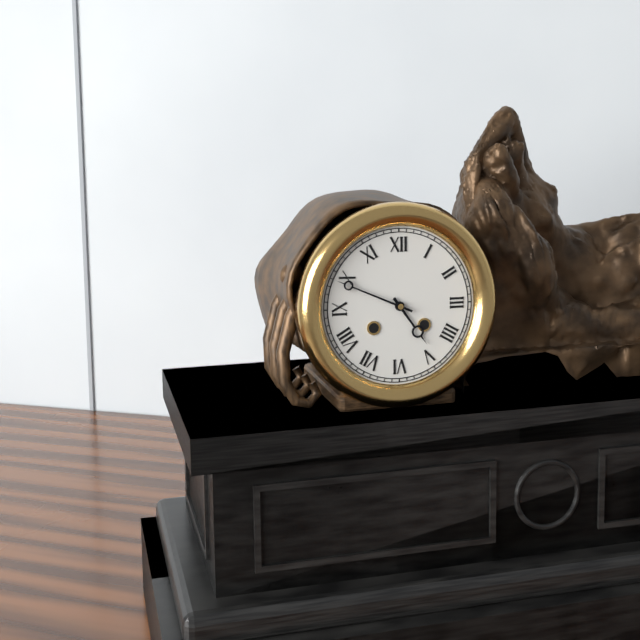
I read {"hour": 4, "minute": 49}
